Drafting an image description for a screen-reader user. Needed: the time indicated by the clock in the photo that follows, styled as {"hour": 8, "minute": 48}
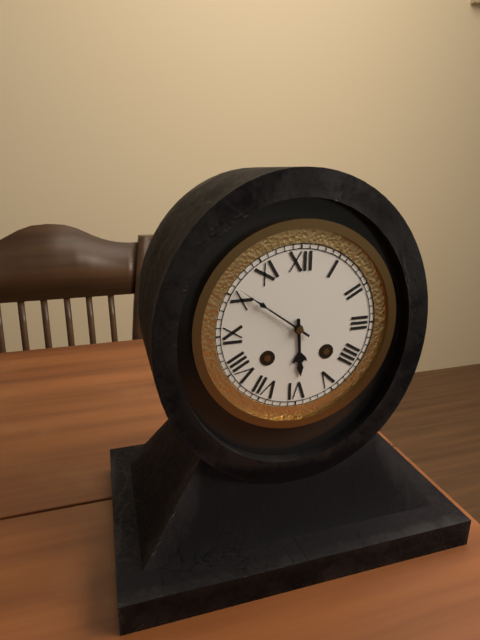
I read {"hour": 5, "minute": 51}
